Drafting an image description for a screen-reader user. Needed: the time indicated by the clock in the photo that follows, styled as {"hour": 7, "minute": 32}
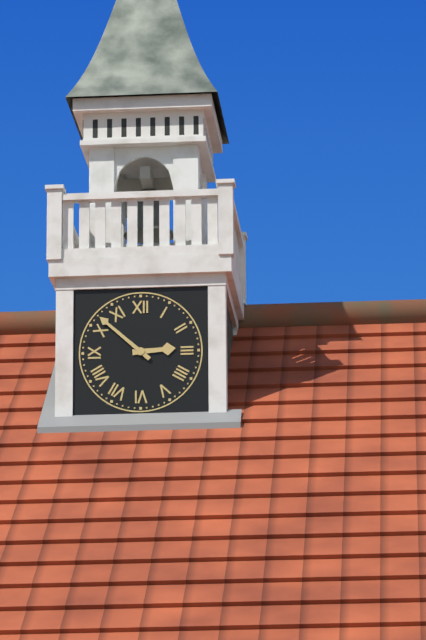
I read {"hour": 2, "minute": 52}
